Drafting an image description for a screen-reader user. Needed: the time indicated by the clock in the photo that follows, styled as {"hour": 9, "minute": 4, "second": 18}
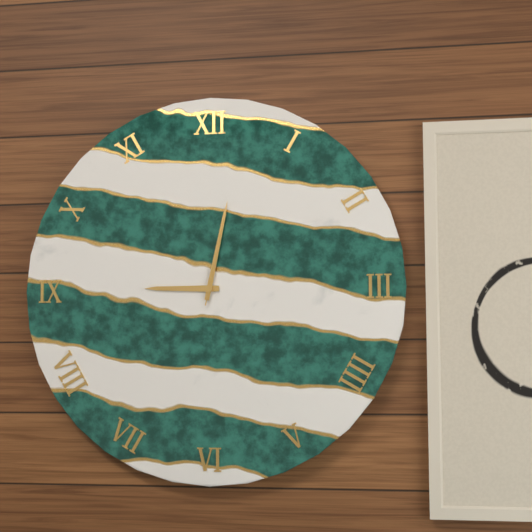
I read {"hour": 9, "minute": 2, "second": 2}
